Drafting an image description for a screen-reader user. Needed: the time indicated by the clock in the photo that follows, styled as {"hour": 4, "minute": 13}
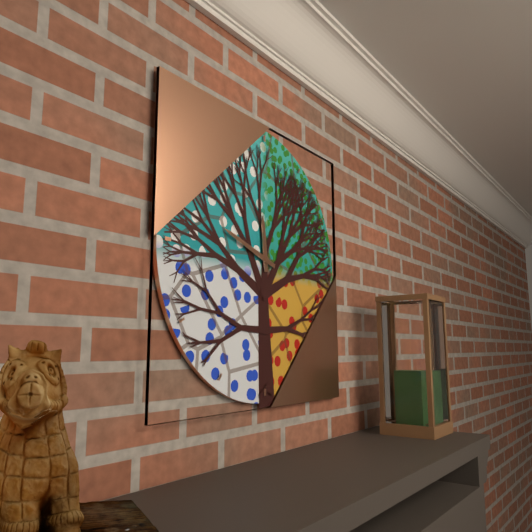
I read {"hour": 11, "minute": 48}
